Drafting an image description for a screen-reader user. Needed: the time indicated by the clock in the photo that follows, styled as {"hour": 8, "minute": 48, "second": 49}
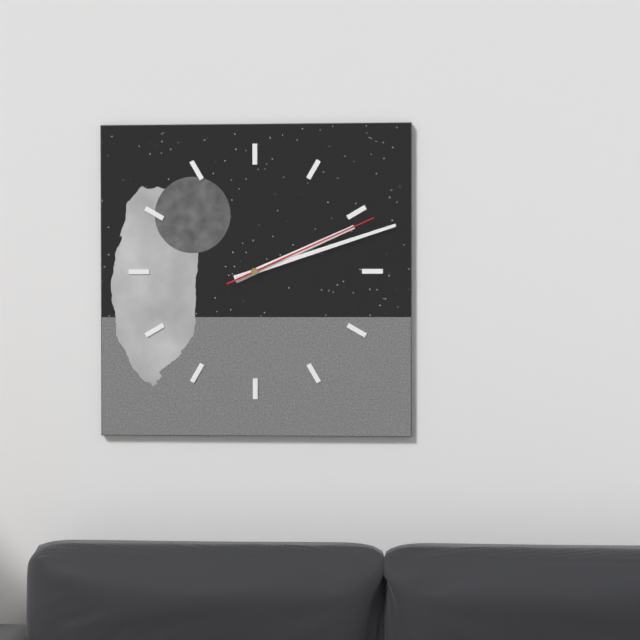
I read {"hour": 2, "minute": 12, "second": 11}
